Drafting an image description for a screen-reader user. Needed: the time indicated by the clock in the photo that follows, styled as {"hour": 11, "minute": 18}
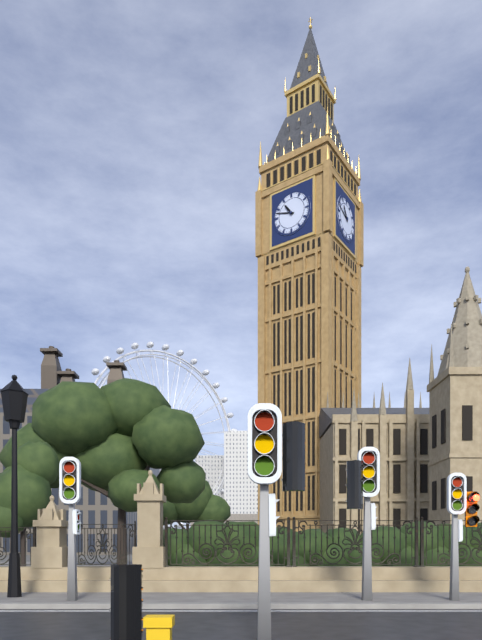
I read {"hour": 10, "minute": 48}
